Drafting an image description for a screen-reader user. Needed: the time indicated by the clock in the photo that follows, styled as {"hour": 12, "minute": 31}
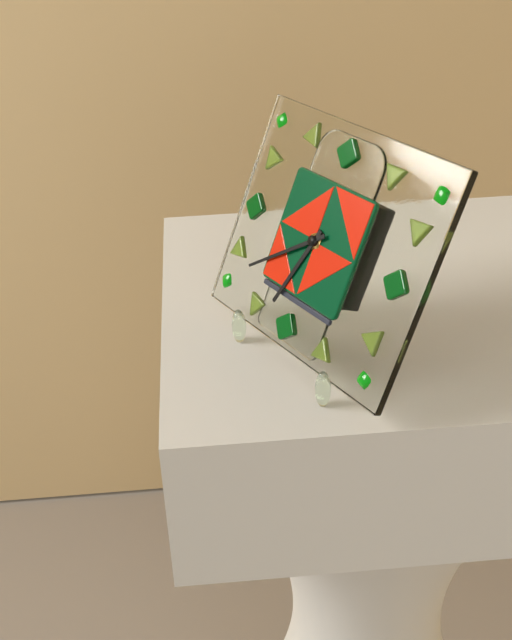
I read {"hour": 6, "minute": 39}
